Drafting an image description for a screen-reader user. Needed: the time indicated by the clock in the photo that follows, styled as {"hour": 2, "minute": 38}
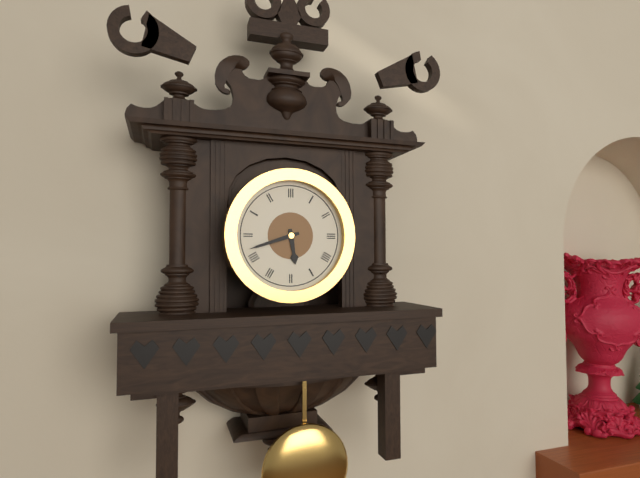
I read {"hour": 5, "minute": 42}
